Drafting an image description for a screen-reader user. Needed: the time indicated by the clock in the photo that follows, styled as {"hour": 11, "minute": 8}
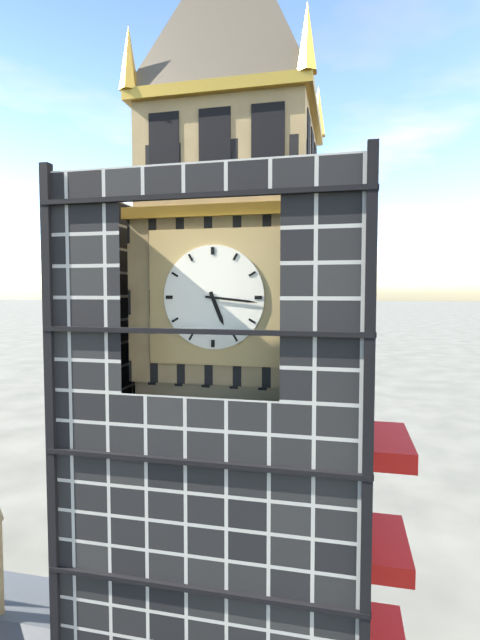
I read {"hour": 5, "minute": 16}
